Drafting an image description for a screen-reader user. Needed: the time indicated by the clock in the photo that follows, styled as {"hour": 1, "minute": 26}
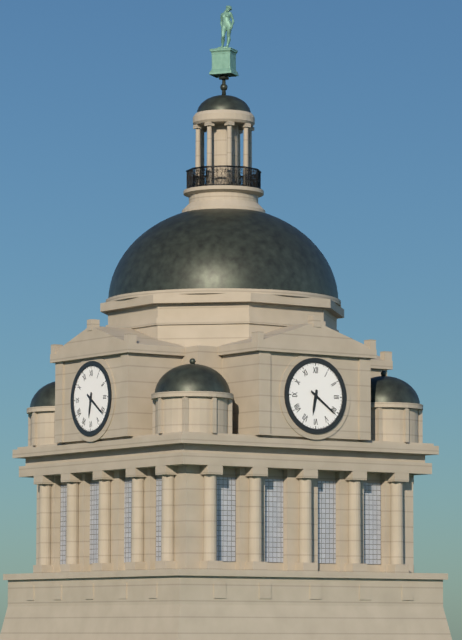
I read {"hour": 6, "minute": 21}
